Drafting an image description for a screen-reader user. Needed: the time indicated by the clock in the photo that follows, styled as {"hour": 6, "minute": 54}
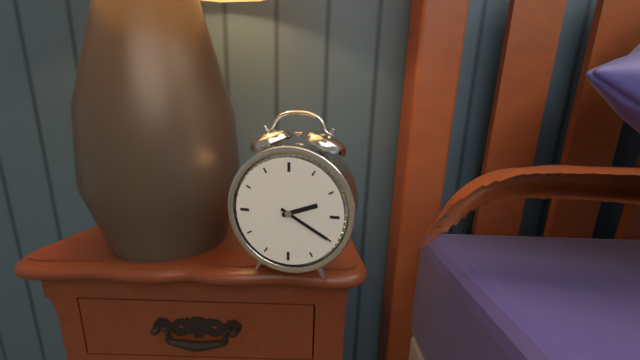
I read {"hour": 2, "minute": 20}
